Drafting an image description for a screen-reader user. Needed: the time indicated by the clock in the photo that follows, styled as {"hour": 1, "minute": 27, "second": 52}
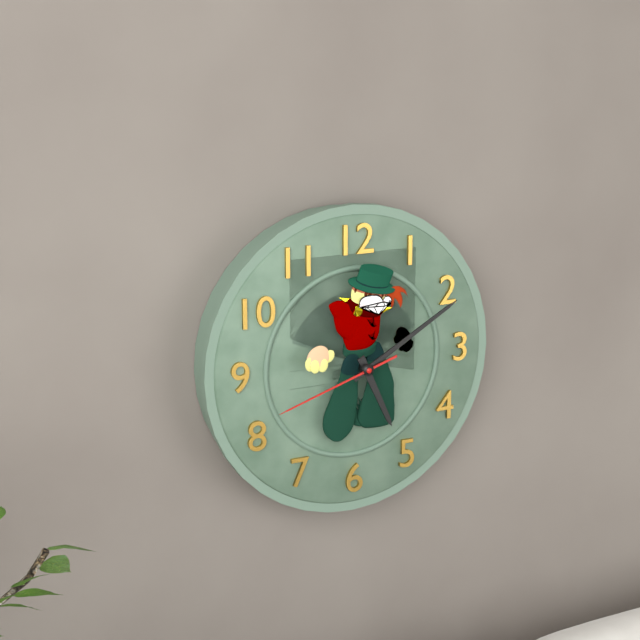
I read {"hour": 5, "minute": 10, "second": 42}
